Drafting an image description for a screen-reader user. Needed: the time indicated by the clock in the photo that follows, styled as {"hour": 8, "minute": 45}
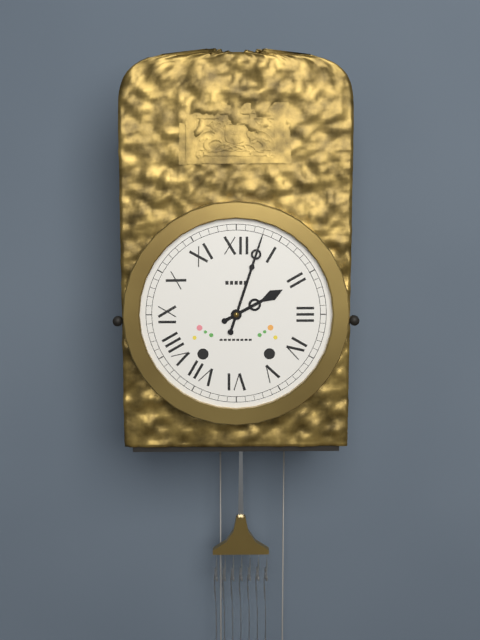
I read {"hour": 2, "minute": 3}
